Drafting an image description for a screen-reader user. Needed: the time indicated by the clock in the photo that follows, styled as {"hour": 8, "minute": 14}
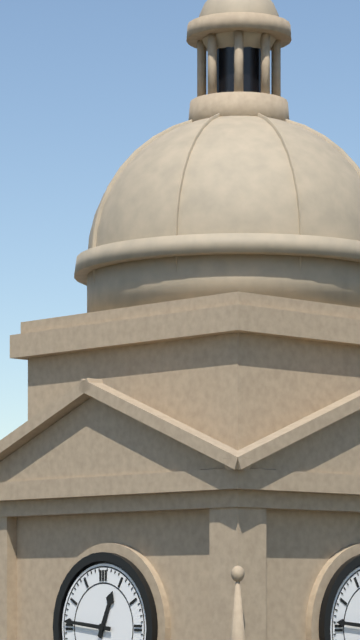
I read {"hour": 12, "minute": 46}
